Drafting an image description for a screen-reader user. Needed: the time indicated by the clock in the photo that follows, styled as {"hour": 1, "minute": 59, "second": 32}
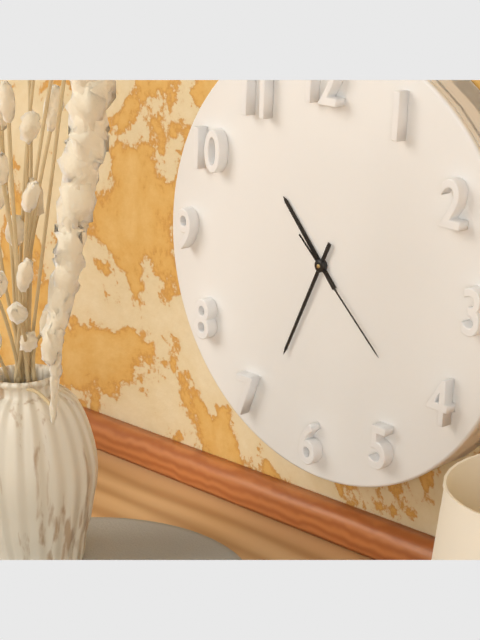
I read {"hour": 10, "minute": 34, "second": 22}
